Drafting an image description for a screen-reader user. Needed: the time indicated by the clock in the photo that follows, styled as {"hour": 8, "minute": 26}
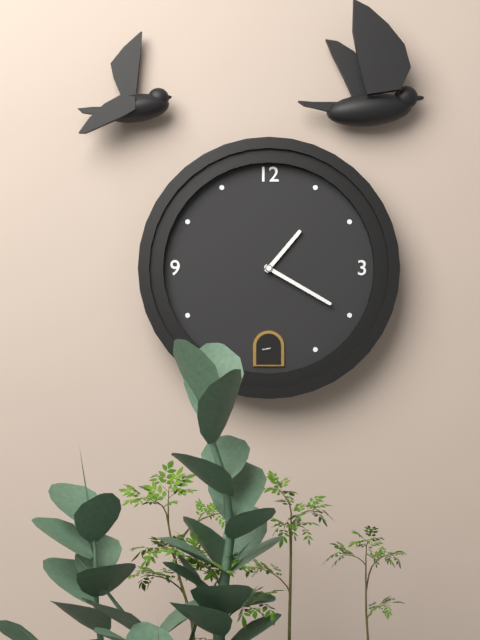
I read {"hour": 1, "minute": 20}
